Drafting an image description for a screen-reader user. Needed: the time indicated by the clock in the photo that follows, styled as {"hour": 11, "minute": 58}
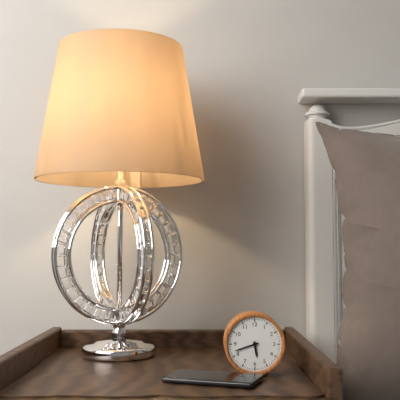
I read {"hour": 5, "minute": 42}
